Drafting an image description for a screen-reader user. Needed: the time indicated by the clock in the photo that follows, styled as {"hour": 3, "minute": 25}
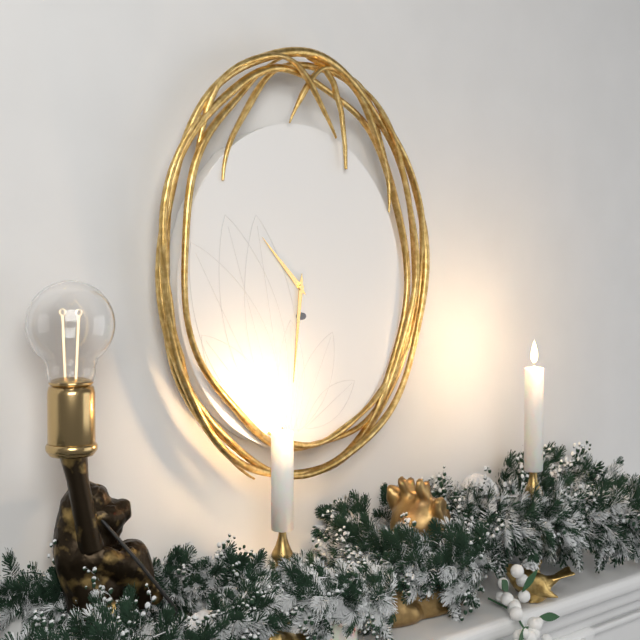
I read {"hour": 10, "minute": 31}
